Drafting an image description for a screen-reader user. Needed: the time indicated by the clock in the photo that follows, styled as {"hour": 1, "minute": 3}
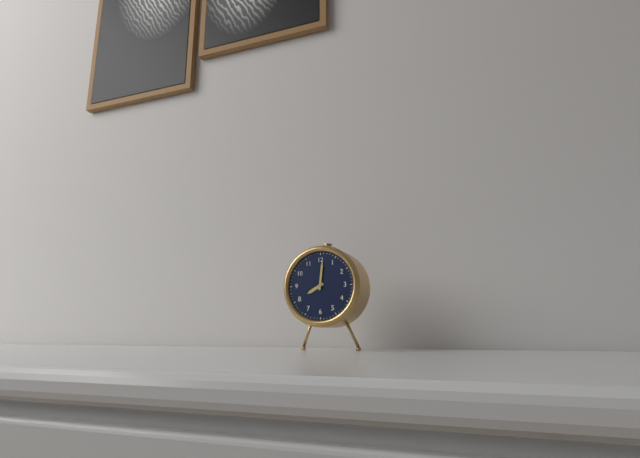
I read {"hour": 8, "minute": 1}
